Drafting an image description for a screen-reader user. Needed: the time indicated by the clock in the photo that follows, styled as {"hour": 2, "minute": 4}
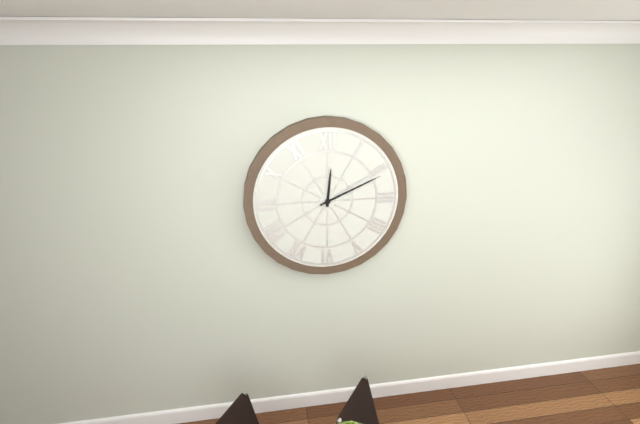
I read {"hour": 12, "minute": 11}
